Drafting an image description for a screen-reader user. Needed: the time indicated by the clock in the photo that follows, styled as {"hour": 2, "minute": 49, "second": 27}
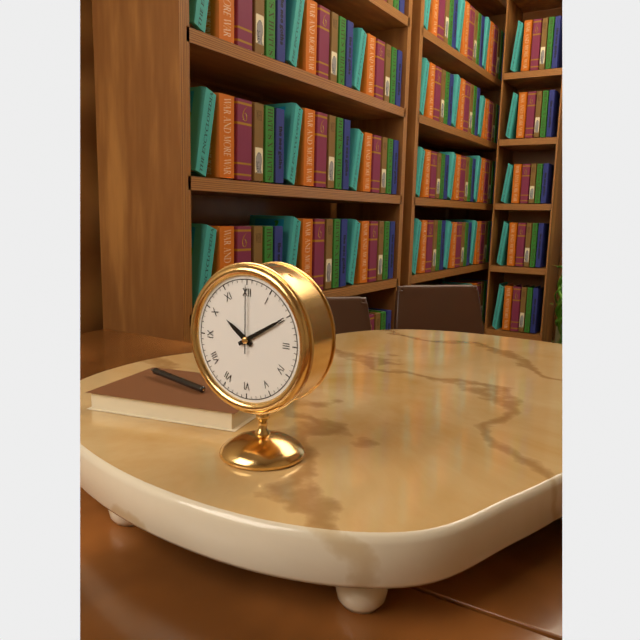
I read {"hour": 10, "minute": 10, "second": 0}
